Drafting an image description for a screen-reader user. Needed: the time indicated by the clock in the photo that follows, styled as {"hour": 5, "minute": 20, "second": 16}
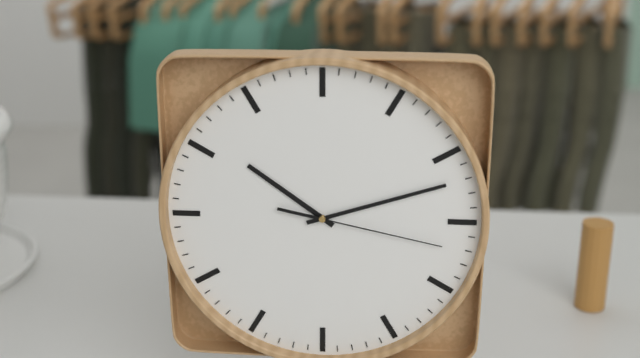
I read {"hour": 10, "minute": 12, "second": 17}
